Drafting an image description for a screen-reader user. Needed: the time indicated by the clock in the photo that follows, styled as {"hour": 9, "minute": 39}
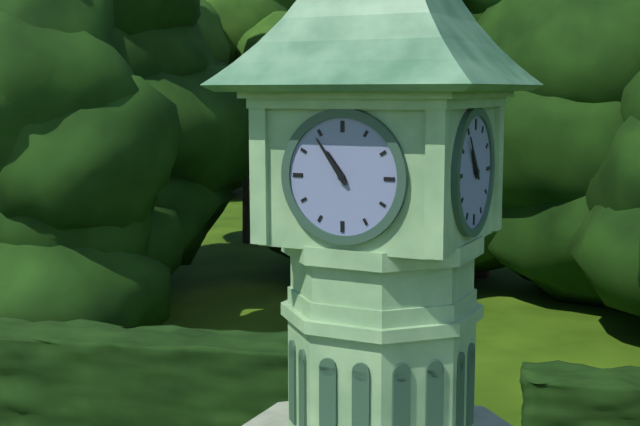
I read {"hour": 10, "minute": 54}
